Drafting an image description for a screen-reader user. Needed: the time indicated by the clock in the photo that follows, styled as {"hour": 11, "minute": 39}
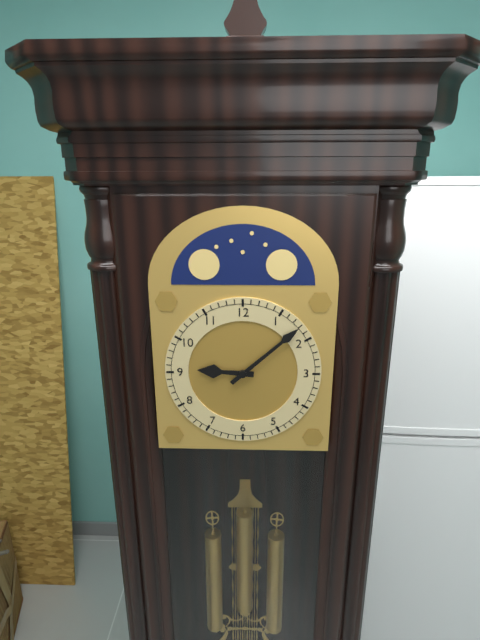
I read {"hour": 9, "minute": 8}
